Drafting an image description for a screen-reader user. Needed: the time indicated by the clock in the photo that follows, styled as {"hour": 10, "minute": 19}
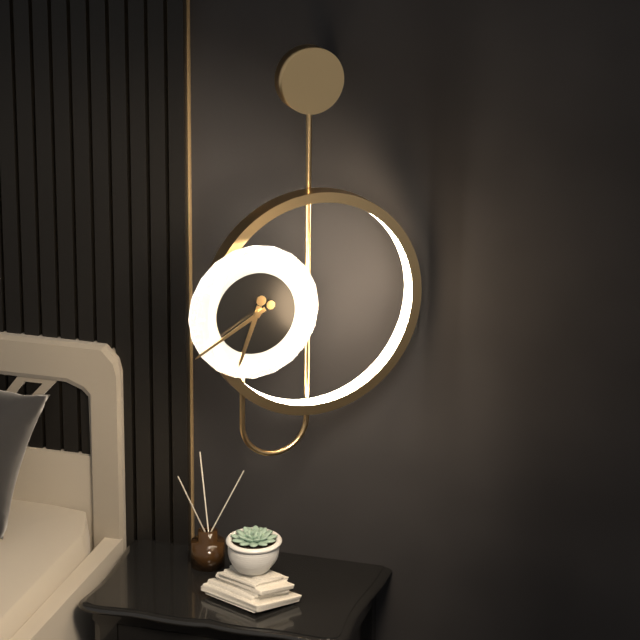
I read {"hour": 6, "minute": 40}
